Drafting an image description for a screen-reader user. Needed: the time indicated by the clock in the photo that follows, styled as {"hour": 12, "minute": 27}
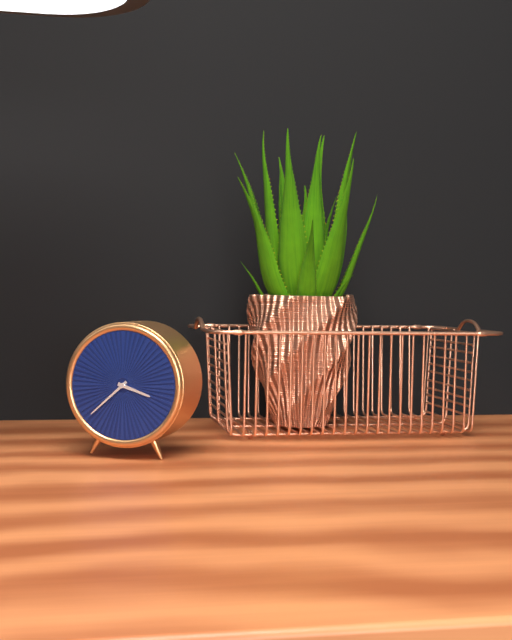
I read {"hour": 3, "minute": 38}
